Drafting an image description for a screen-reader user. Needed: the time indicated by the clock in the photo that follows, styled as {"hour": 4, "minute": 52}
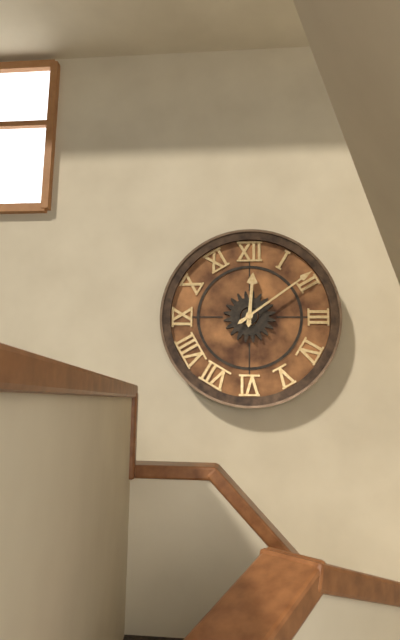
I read {"hour": 12, "minute": 9}
